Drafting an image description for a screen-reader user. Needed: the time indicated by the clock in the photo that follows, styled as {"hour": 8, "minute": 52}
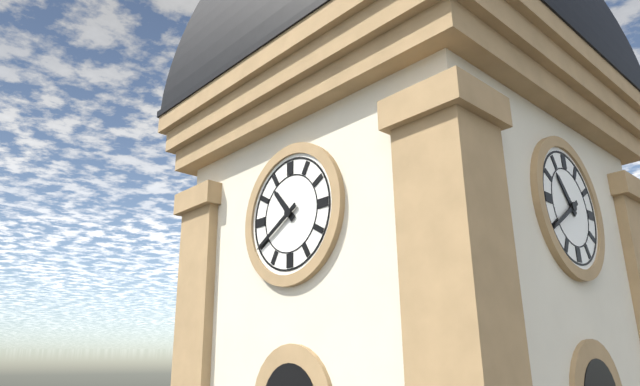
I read {"hour": 10, "minute": 40}
